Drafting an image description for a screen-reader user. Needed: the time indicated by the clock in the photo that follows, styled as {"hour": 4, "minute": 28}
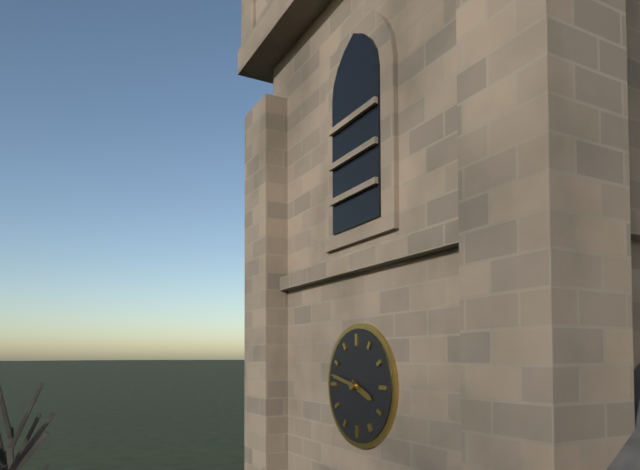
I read {"hour": 3, "minute": 47}
